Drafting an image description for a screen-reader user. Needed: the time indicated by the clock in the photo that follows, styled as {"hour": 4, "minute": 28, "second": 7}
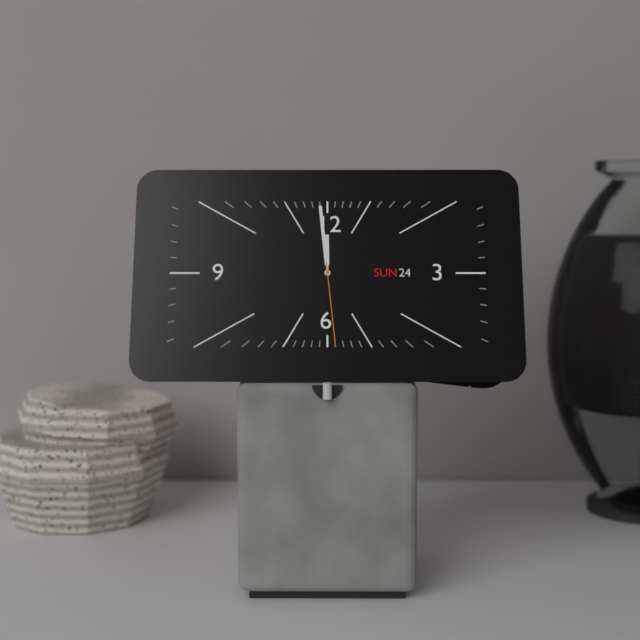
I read {"hour": 11, "minute": 59, "second": 29}
